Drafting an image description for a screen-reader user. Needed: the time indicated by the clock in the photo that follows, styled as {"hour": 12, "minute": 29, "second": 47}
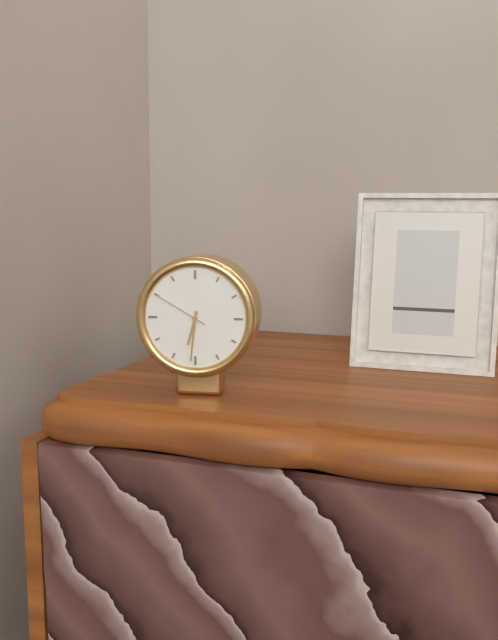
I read {"hour": 6, "minute": 31, "second": 50}
